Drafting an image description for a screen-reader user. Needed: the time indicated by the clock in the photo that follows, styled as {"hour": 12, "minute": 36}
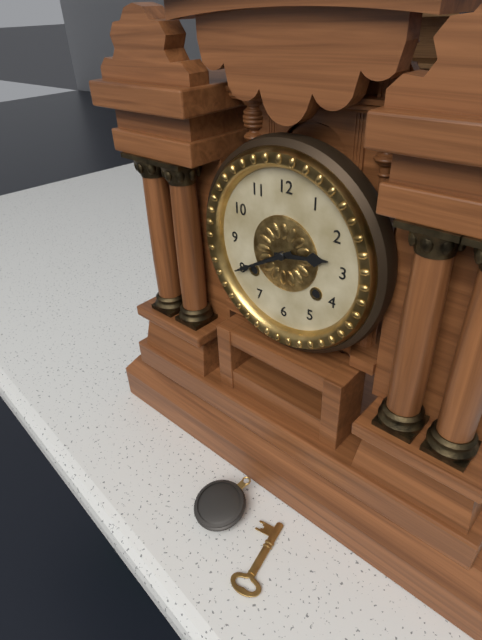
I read {"hour": 2, "minute": 40}
